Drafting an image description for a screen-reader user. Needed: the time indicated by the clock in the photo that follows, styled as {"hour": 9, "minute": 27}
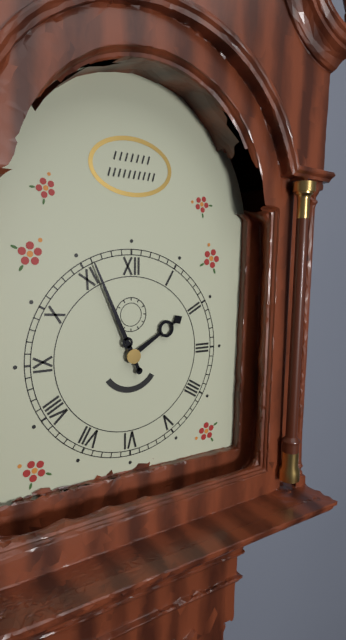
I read {"hour": 1, "minute": 56}
